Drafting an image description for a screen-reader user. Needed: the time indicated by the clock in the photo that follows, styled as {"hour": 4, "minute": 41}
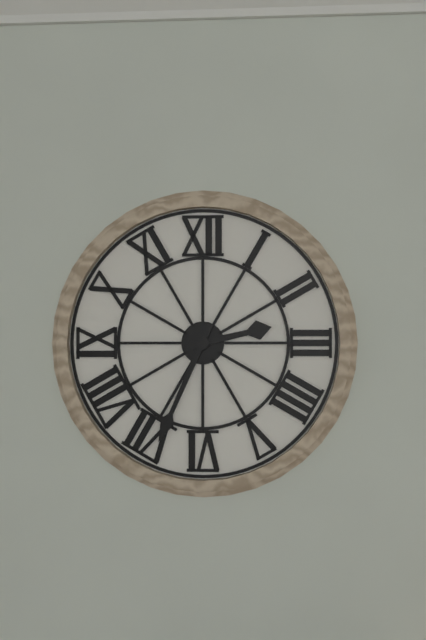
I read {"hour": 2, "minute": 34}
